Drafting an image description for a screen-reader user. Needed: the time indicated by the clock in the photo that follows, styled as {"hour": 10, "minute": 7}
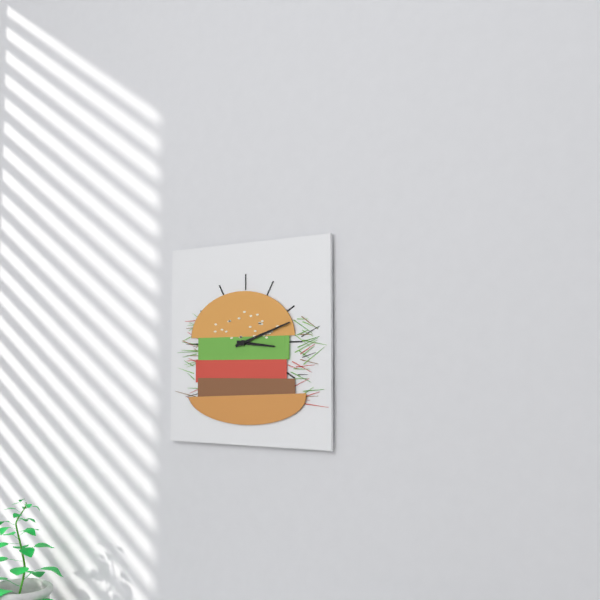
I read {"hour": 3, "minute": 12}
